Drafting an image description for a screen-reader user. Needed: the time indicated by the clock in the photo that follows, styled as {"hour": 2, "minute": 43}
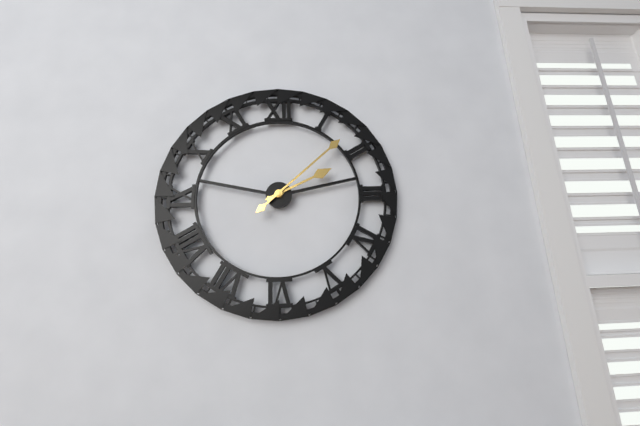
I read {"hour": 2, "minute": 8}
